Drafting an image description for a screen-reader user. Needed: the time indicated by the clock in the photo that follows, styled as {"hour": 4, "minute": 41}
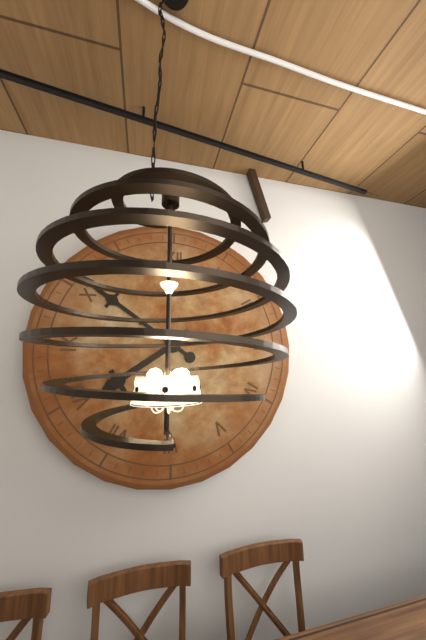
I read {"hour": 7, "minute": 51}
